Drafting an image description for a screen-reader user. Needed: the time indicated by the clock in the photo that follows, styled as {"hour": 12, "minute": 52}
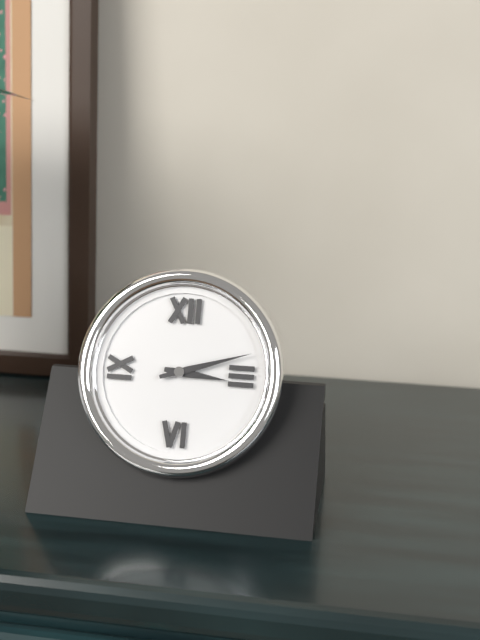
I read {"hour": 3, "minute": 12}
